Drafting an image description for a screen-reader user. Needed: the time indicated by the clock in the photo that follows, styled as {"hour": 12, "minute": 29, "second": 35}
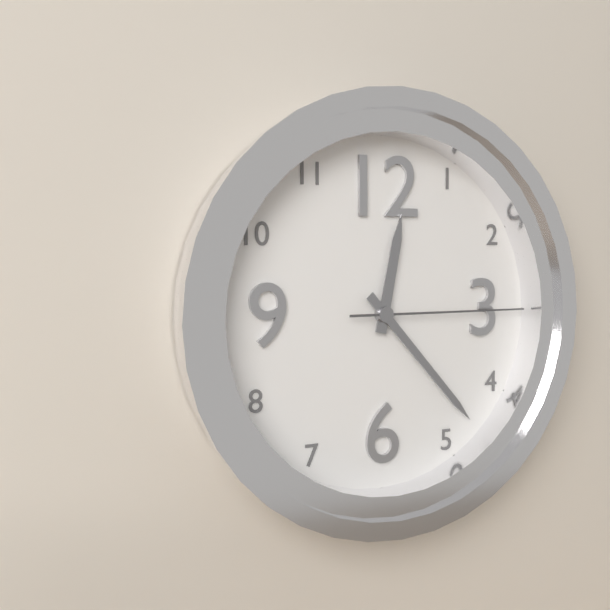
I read {"hour": 12, "minute": 23, "second": 15}
